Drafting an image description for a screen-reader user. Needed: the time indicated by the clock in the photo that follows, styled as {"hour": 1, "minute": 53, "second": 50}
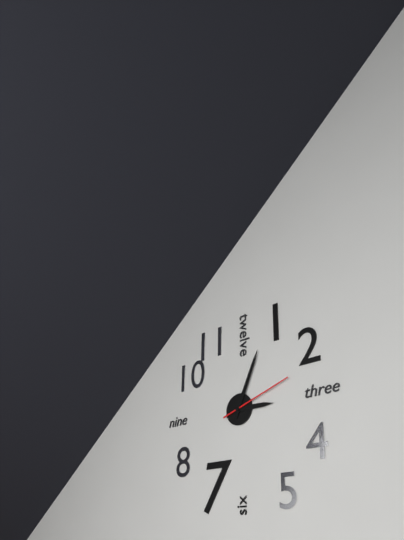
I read {"hour": 3, "minute": 4, "second": 12}
